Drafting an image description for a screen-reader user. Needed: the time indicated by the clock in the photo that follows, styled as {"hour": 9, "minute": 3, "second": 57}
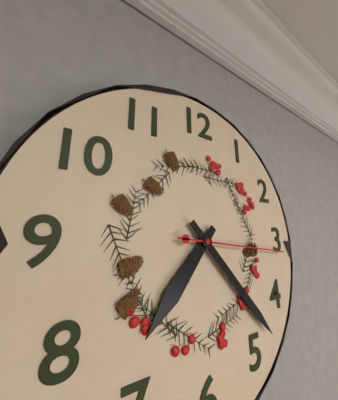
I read {"hour": 7, "minute": 23, "second": 16}
